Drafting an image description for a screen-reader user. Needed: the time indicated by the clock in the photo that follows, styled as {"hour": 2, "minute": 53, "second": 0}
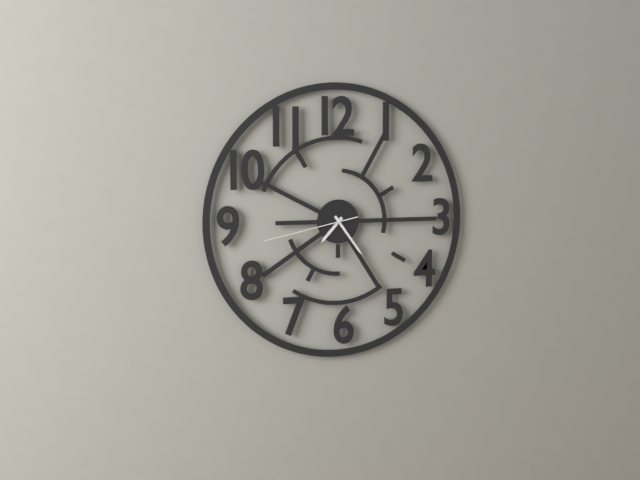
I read {"hour": 7, "minute": 24, "second": 43}
